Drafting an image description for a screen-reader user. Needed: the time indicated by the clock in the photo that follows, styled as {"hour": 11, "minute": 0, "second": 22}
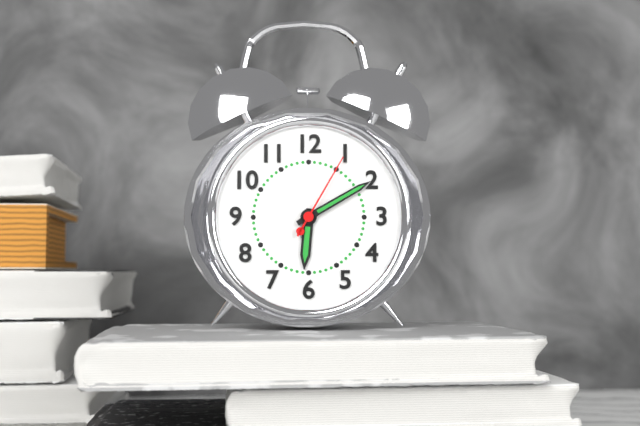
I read {"hour": 6, "minute": 10, "second": 5}
